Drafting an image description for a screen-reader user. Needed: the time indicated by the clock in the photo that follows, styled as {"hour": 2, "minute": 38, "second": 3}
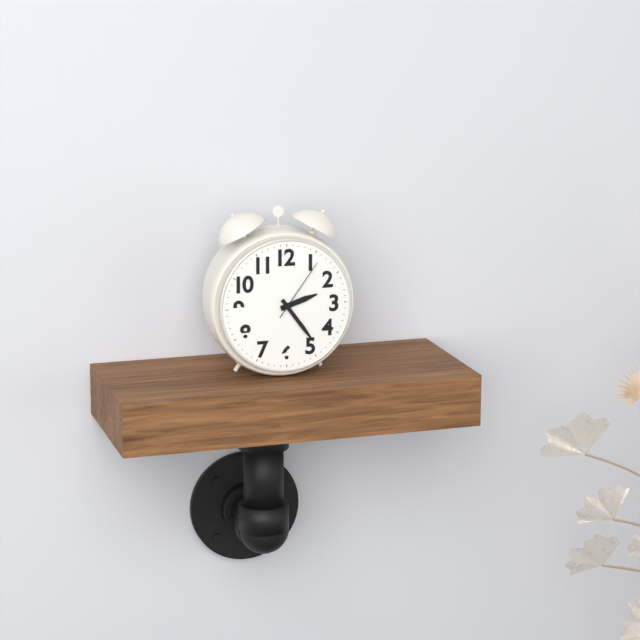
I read {"hour": 2, "minute": 24, "second": 6}
